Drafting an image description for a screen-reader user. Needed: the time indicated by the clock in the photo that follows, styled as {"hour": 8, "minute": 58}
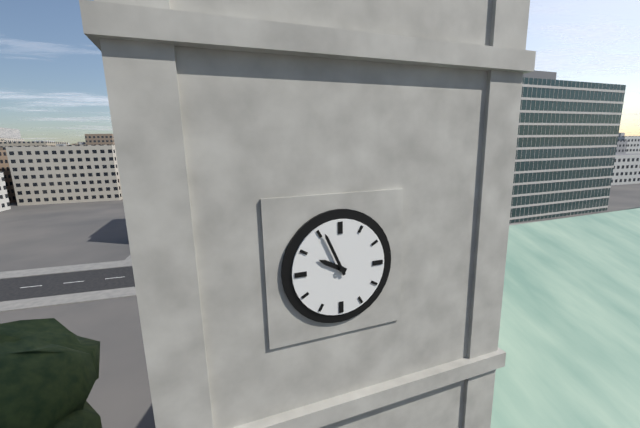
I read {"hour": 9, "minute": 56}
